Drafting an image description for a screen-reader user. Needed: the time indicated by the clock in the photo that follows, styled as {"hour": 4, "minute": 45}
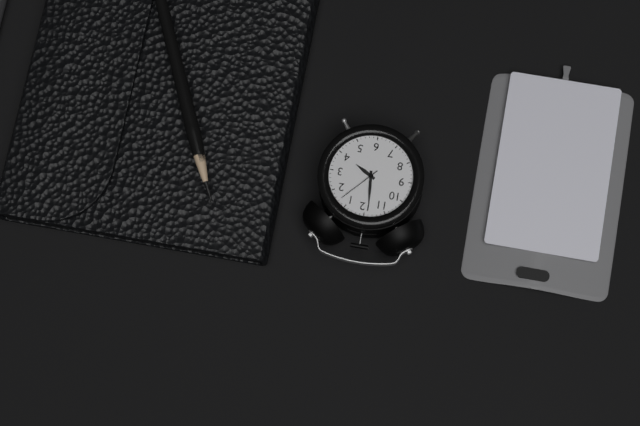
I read {"hour": 3, "minute": 59}
